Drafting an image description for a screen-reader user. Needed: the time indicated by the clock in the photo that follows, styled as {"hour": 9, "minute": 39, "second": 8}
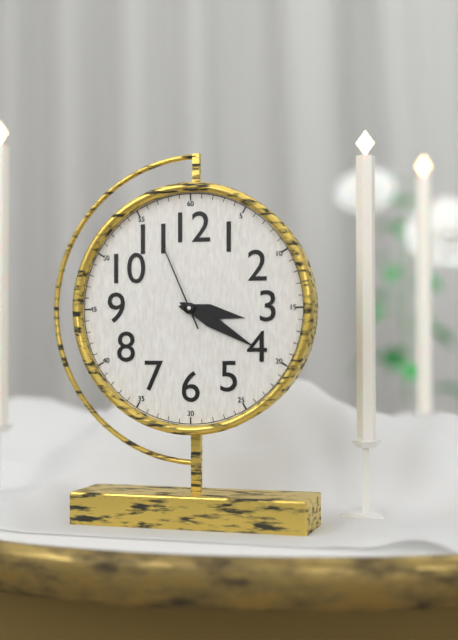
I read {"hour": 3, "minute": 20, "second": 56}
